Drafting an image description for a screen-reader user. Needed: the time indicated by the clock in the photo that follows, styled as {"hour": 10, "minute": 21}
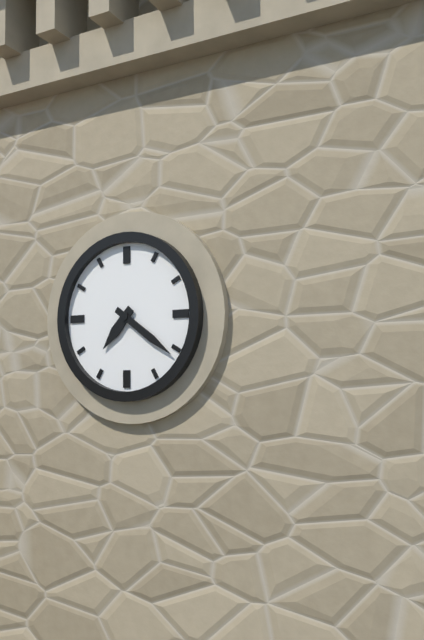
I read {"hour": 7, "minute": 21}
